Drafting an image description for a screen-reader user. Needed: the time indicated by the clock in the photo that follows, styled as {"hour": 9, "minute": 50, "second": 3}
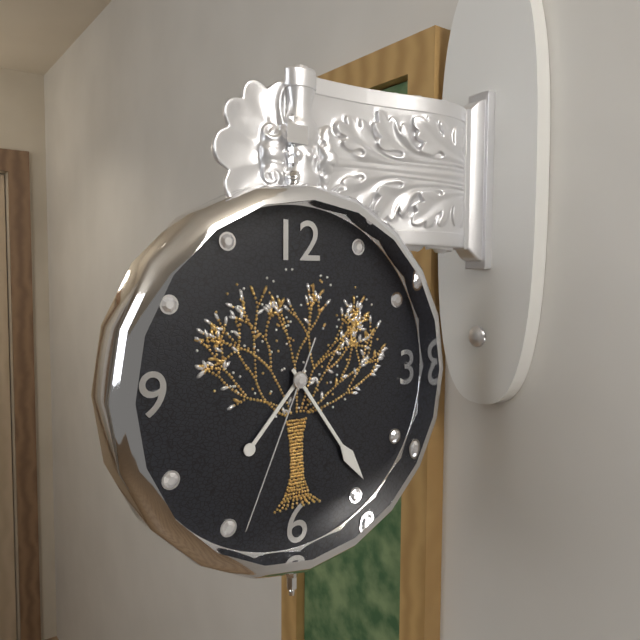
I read {"hour": 7, "minute": 24, "second": 34}
